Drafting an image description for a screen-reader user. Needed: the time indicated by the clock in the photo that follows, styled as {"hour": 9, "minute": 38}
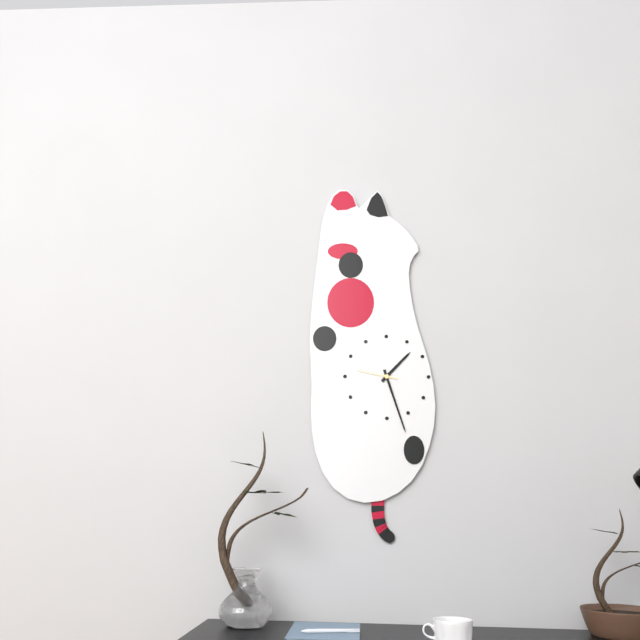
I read {"hour": 1, "minute": 27}
